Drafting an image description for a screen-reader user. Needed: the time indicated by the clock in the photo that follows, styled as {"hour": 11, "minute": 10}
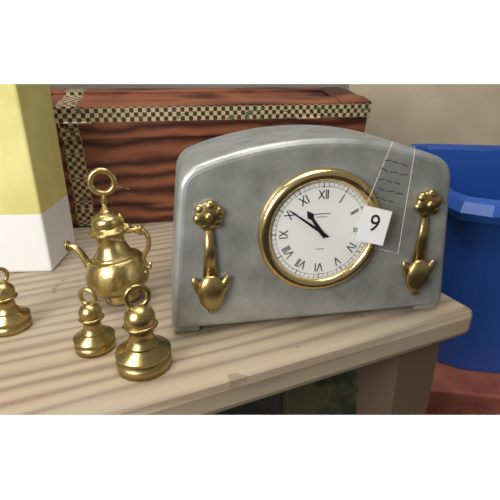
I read {"hour": 10, "minute": 51}
